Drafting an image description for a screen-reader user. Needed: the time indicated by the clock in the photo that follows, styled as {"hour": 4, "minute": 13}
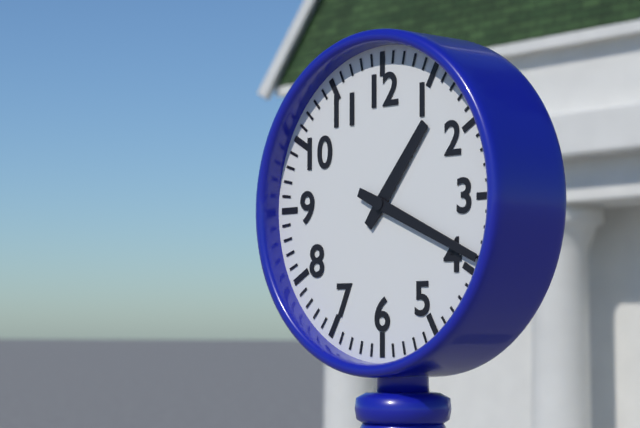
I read {"hour": 1, "minute": 19}
